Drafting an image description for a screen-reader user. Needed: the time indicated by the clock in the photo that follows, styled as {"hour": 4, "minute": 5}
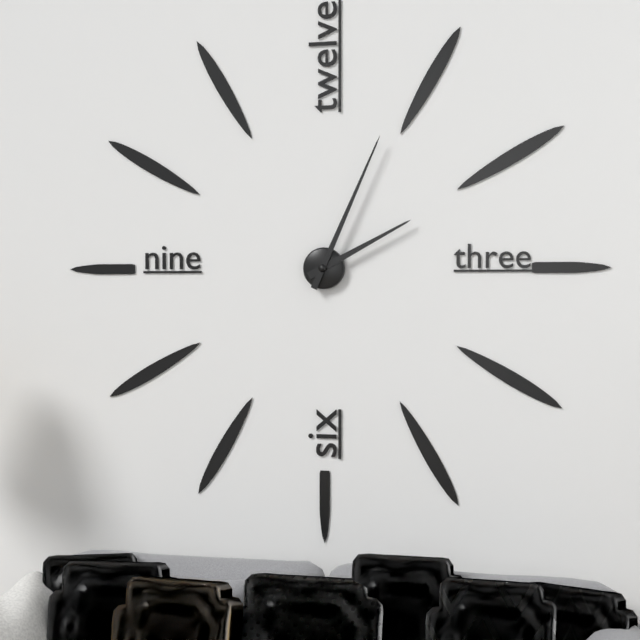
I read {"hour": 2, "minute": 4}
